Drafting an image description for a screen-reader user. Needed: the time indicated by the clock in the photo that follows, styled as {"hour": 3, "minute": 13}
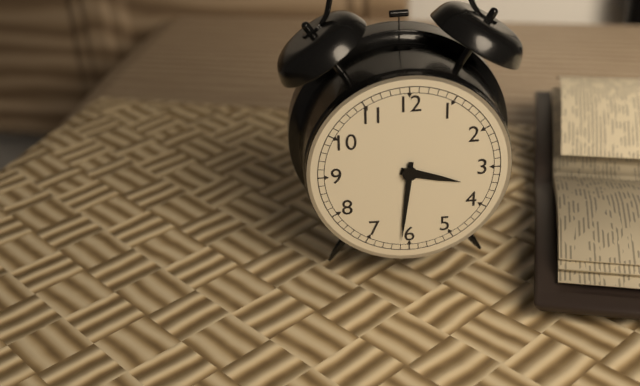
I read {"hour": 3, "minute": 31}
